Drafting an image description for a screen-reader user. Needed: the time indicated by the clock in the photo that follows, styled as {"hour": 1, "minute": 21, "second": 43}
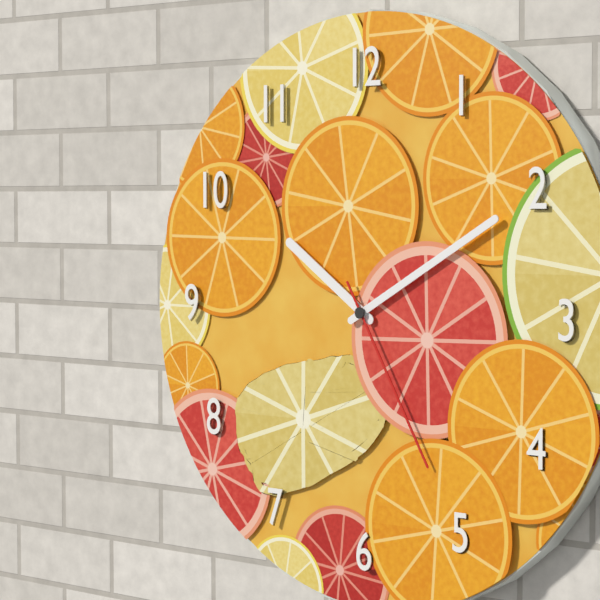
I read {"hour": 10, "minute": 10, "second": 25}
